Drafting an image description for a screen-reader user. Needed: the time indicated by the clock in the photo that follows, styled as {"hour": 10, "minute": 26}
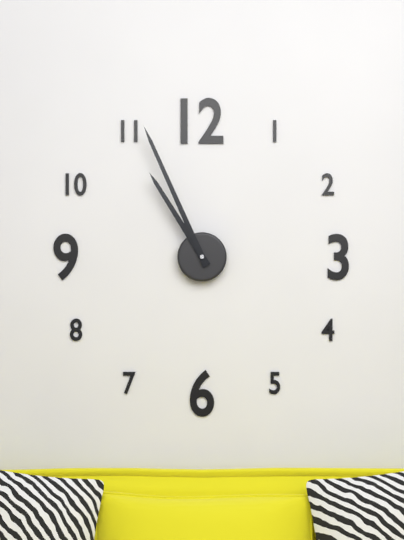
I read {"hour": 10, "minute": 56}
